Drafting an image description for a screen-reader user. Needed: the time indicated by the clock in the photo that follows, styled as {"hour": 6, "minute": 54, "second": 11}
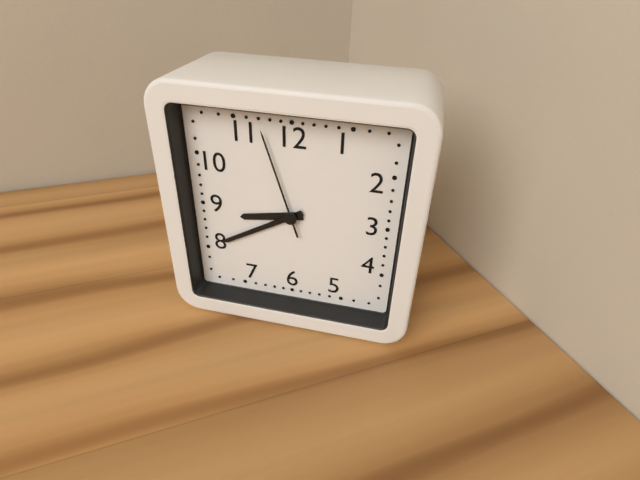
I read {"hour": 8, "minute": 40, "second": 57}
